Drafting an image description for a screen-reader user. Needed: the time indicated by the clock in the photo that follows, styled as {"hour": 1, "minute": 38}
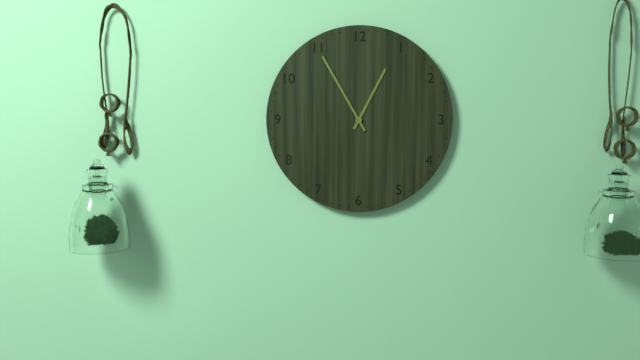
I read {"hour": 12, "minute": 55}
